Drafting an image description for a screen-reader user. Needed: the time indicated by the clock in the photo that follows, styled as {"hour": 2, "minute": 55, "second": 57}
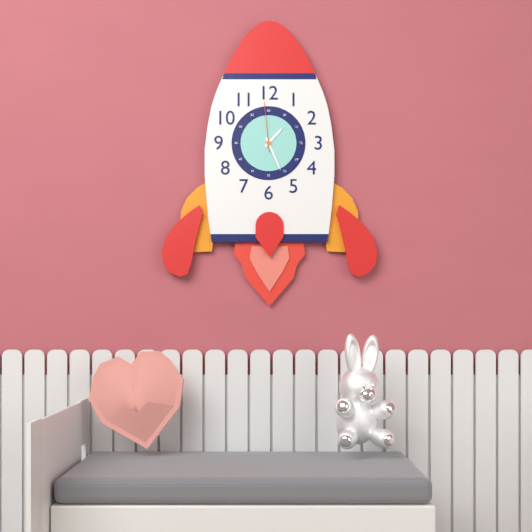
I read {"hour": 1, "minute": 26, "second": 59}
